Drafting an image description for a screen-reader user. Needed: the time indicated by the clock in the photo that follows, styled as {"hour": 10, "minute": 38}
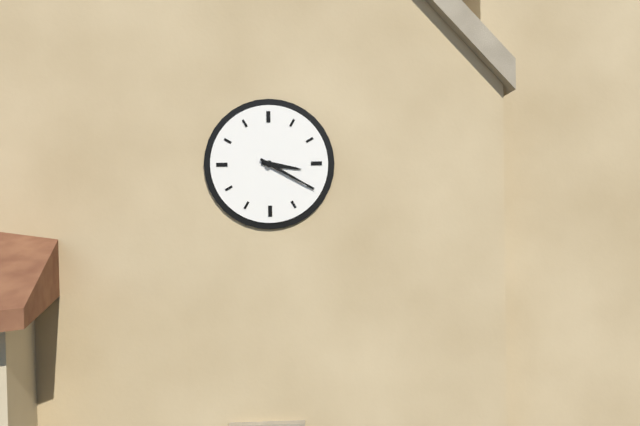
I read {"hour": 3, "minute": 20}
